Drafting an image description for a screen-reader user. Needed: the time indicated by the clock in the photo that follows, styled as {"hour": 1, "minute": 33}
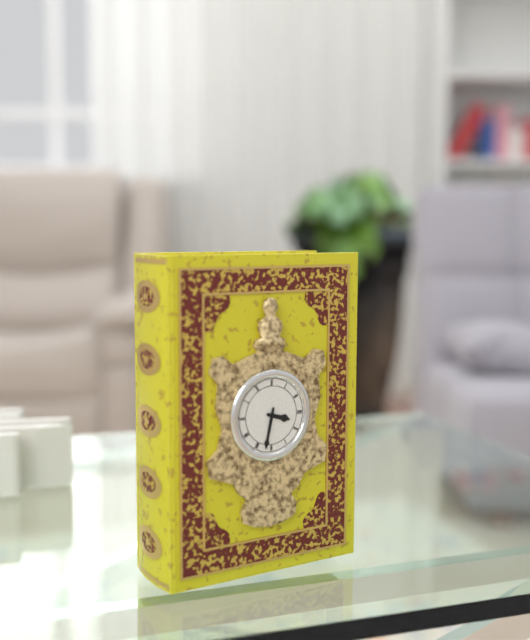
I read {"hour": 3, "minute": 32}
